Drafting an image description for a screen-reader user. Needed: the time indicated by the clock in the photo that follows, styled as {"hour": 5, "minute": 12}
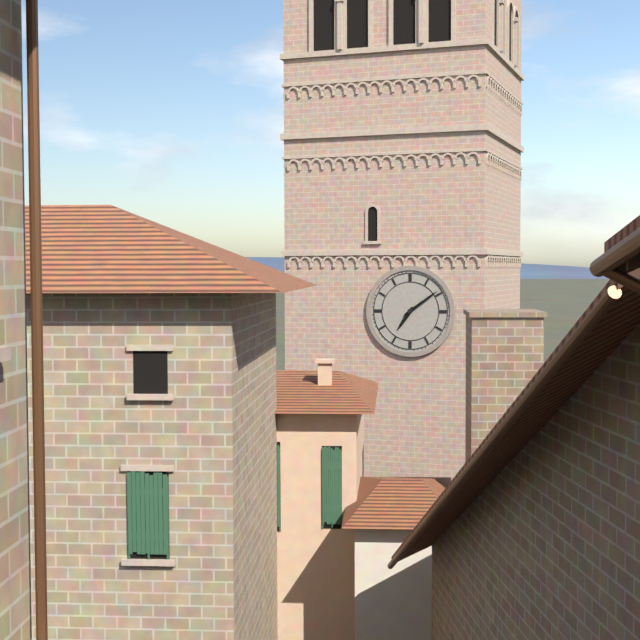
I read {"hour": 7, "minute": 9}
